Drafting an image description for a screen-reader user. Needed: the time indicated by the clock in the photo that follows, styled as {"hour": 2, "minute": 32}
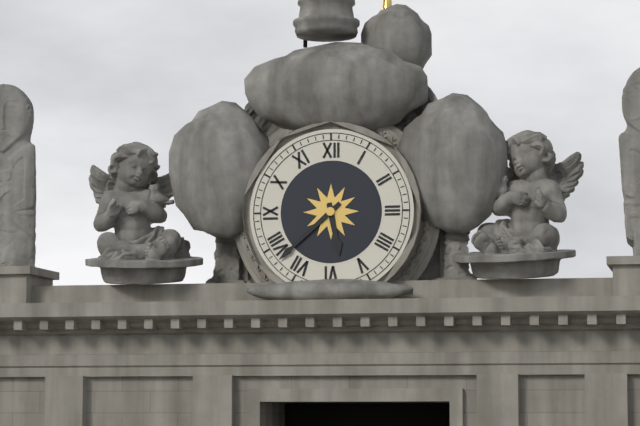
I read {"hour": 5, "minute": 38}
